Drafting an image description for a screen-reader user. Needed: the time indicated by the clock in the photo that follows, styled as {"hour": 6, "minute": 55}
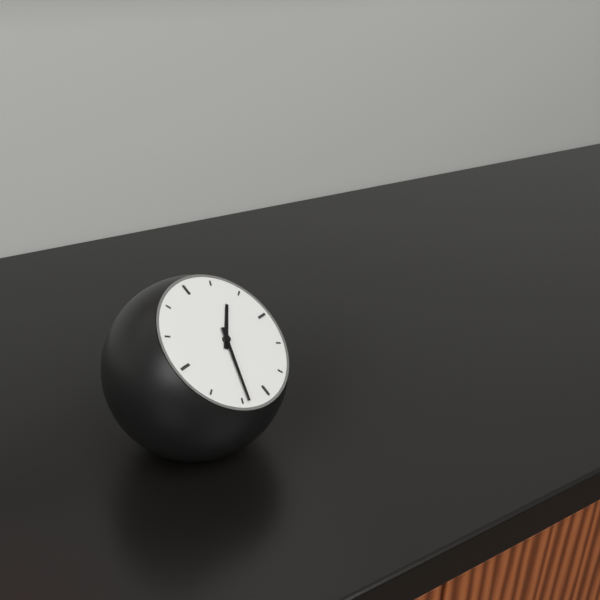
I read {"hour": 1, "minute": 34}
